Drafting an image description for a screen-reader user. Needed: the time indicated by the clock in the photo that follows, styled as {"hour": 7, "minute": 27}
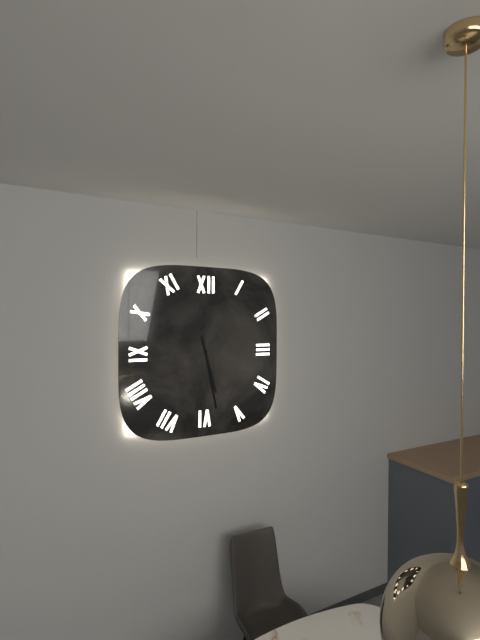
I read {"hour": 5, "minute": 28}
